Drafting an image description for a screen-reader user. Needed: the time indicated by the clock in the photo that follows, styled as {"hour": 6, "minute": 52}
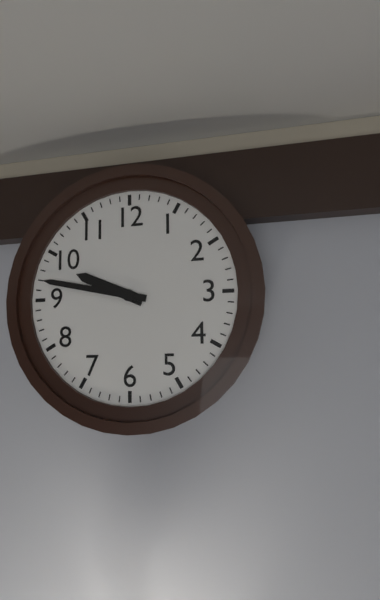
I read {"hour": 9, "minute": 47}
